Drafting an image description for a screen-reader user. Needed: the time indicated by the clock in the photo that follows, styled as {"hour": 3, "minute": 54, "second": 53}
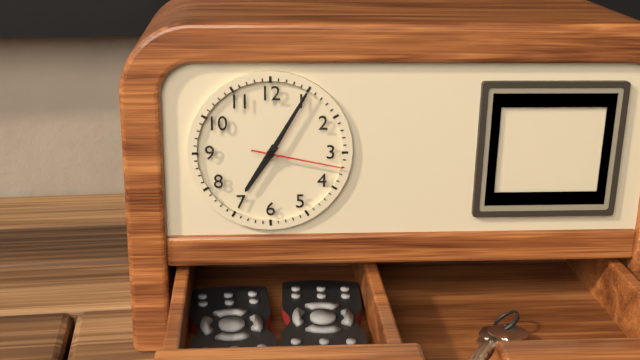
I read {"hour": 7, "minute": 5, "second": 17}
